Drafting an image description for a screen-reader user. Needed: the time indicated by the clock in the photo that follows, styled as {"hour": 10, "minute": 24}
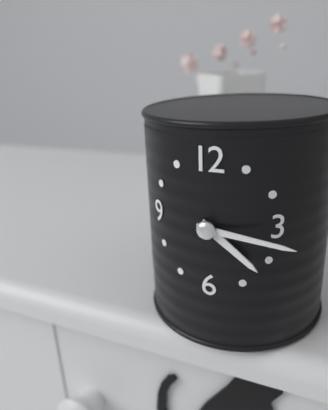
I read {"hour": 4, "minute": 16}
